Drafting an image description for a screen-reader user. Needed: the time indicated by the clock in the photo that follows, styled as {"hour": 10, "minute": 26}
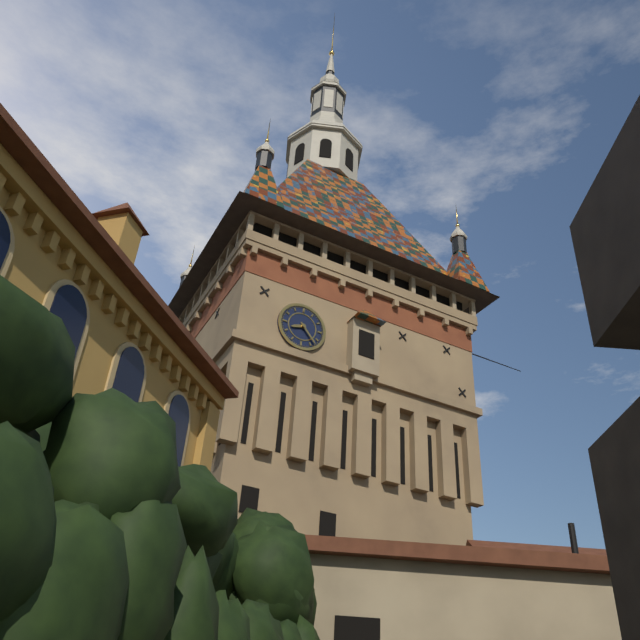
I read {"hour": 8, "minute": 23}
